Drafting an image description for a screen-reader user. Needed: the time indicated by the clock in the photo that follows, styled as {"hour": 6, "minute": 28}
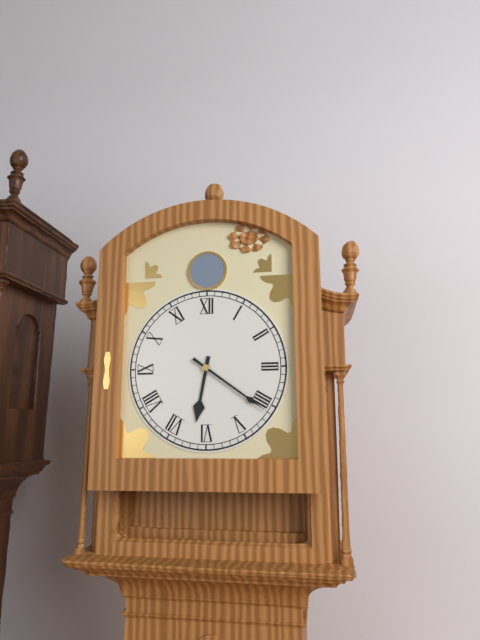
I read {"hour": 6, "minute": 21}
